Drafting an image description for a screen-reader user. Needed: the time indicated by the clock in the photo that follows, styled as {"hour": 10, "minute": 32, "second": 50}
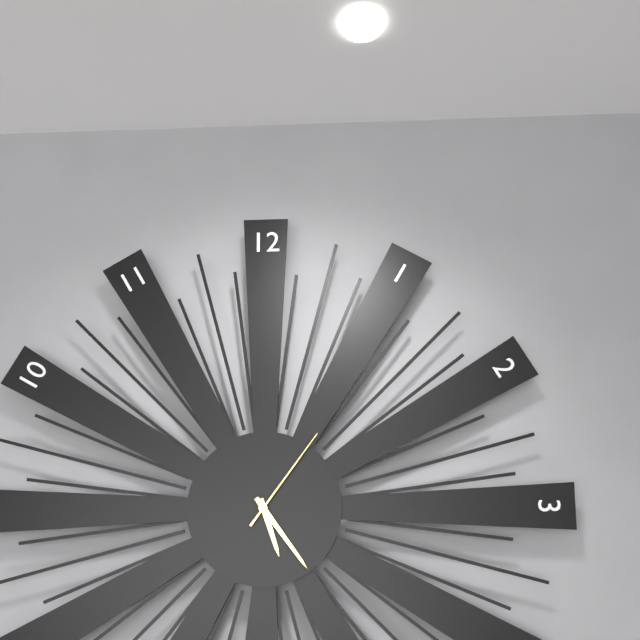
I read {"hour": 5, "minute": 24, "second": 6}
